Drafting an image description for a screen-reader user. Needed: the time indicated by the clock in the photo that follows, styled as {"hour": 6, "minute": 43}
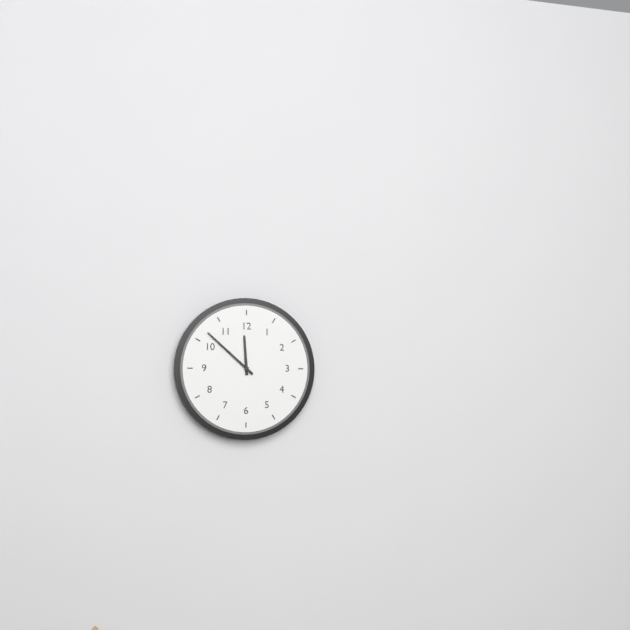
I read {"hour": 11, "minute": 52}
